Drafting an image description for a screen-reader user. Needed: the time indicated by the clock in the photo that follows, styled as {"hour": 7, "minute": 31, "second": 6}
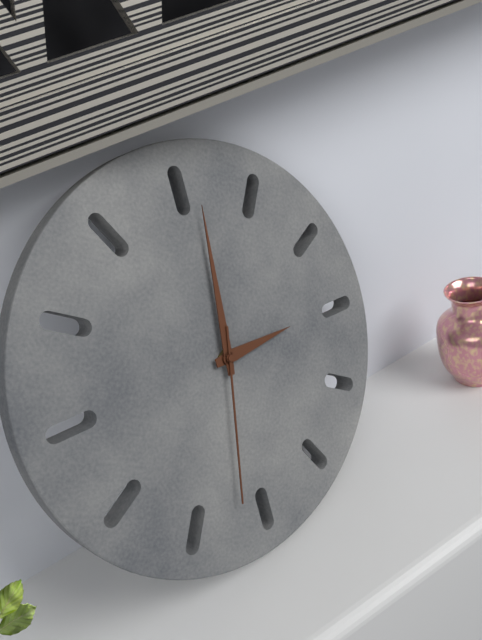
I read {"hour": 1, "minute": 56, "second": 27}
